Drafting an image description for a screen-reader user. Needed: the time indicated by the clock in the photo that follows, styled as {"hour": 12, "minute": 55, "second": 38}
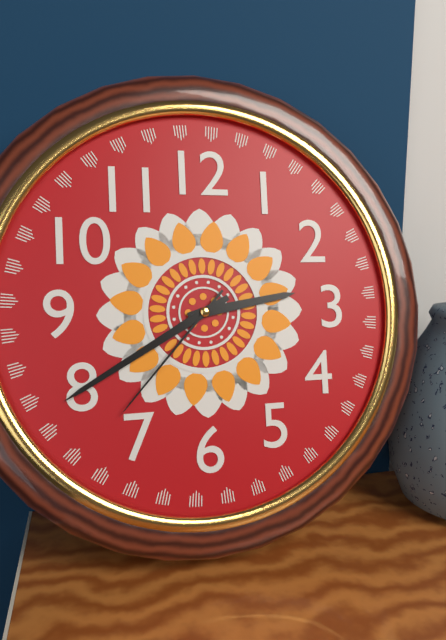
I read {"hour": 2, "minute": 40, "second": 37}
